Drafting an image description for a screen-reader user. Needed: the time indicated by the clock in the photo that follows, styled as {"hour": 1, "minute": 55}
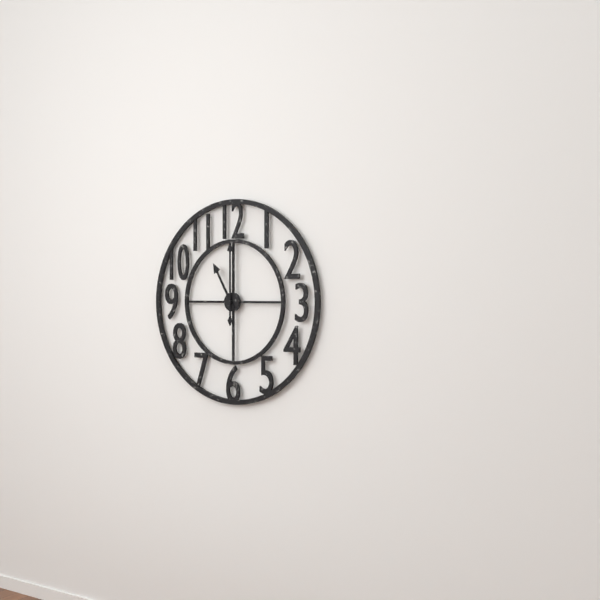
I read {"hour": 11, "minute": 0}
